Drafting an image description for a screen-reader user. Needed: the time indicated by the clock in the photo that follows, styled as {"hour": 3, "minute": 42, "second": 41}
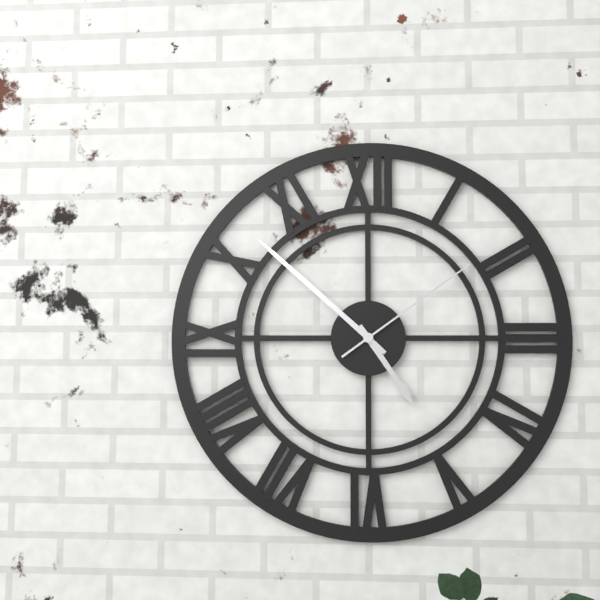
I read {"hour": 4, "minute": 52, "second": 9}
